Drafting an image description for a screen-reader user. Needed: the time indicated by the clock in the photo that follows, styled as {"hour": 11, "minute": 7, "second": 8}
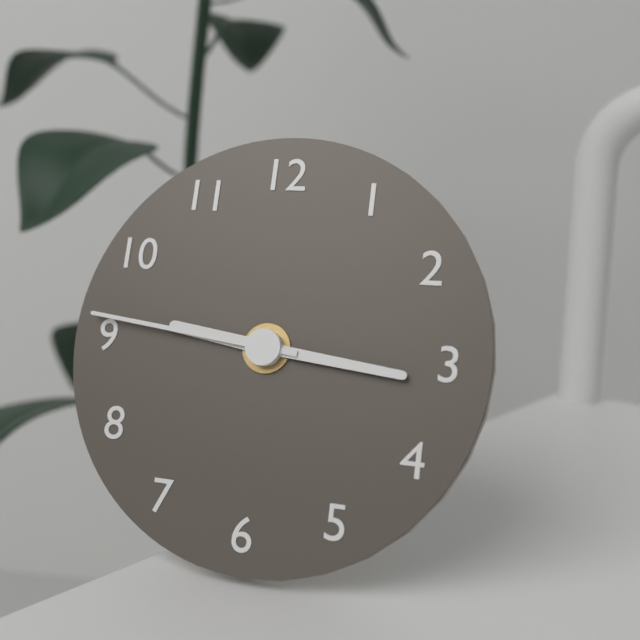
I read {"hour": 9, "minute": 16, "second": 46}
